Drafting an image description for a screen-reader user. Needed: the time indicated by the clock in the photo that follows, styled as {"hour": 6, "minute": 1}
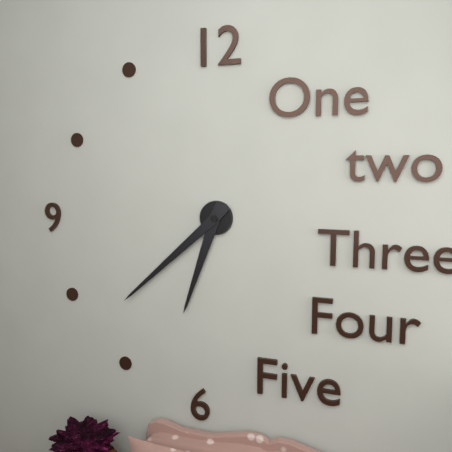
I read {"hour": 6, "minute": 38}
